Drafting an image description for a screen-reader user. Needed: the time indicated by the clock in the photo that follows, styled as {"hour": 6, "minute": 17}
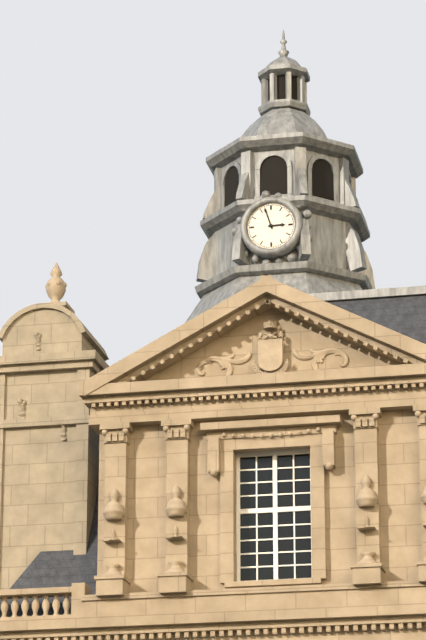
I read {"hour": 2, "minute": 57}
